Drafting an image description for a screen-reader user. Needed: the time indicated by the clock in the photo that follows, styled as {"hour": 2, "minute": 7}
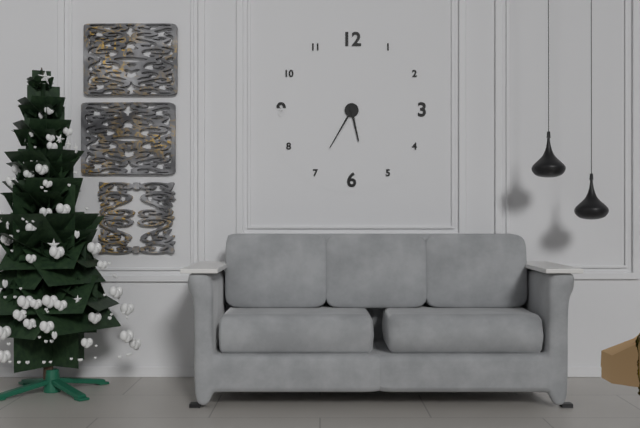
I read {"hour": 5, "minute": 35}
